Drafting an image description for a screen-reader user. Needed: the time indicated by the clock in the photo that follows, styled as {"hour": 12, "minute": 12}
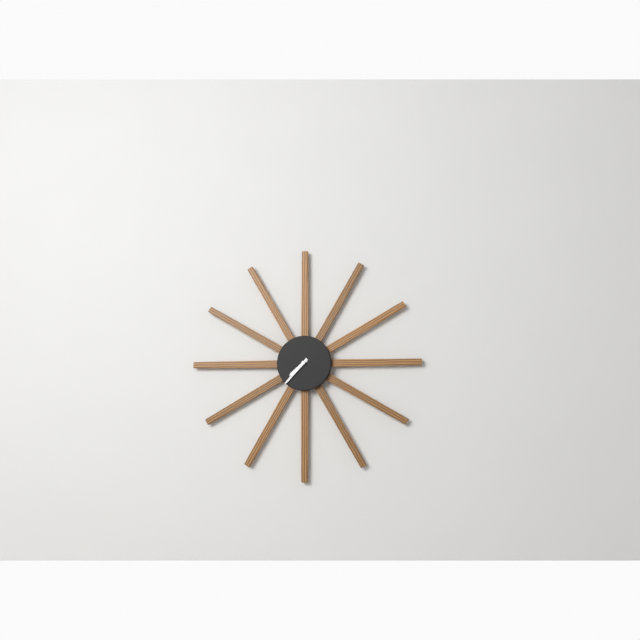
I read {"hour": 7, "minute": 37}
